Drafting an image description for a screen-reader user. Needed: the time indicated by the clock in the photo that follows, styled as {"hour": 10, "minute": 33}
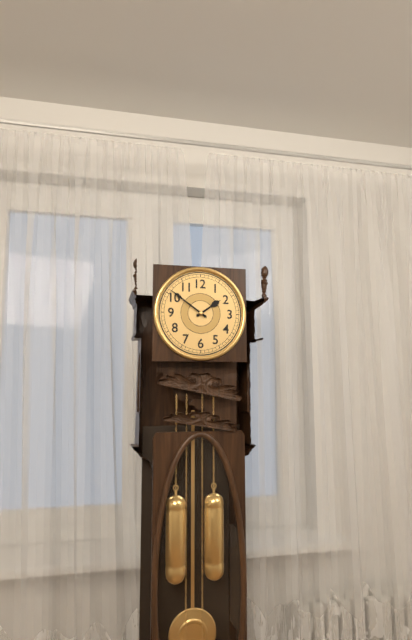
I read {"hour": 1, "minute": 51}
